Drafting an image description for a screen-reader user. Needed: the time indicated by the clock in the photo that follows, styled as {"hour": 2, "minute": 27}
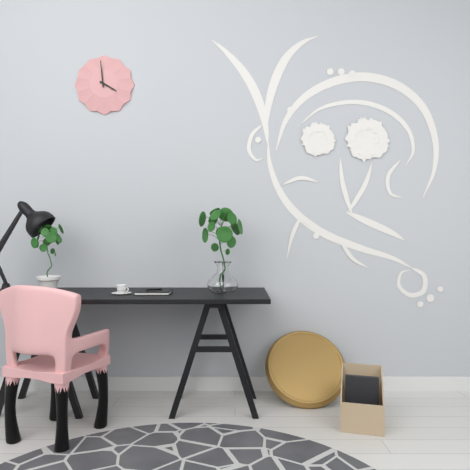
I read {"hour": 3, "minute": 59}
